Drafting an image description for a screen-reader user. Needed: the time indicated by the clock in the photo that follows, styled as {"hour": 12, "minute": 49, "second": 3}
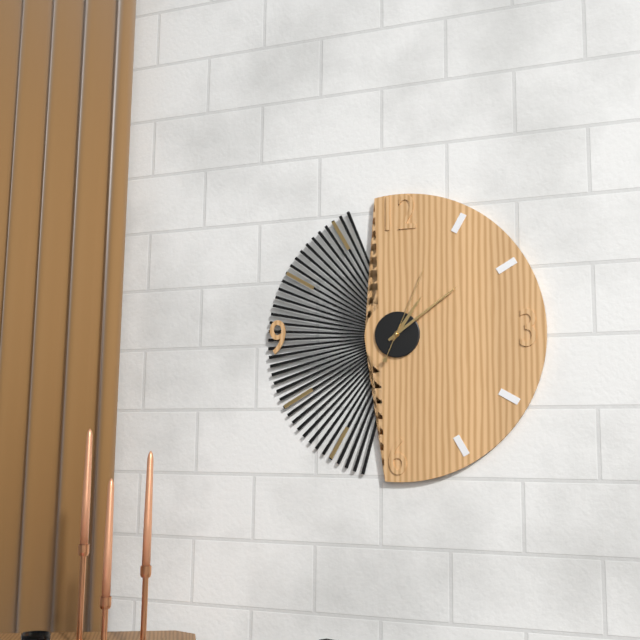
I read {"hour": 1, "minute": 9, "second": 4}
